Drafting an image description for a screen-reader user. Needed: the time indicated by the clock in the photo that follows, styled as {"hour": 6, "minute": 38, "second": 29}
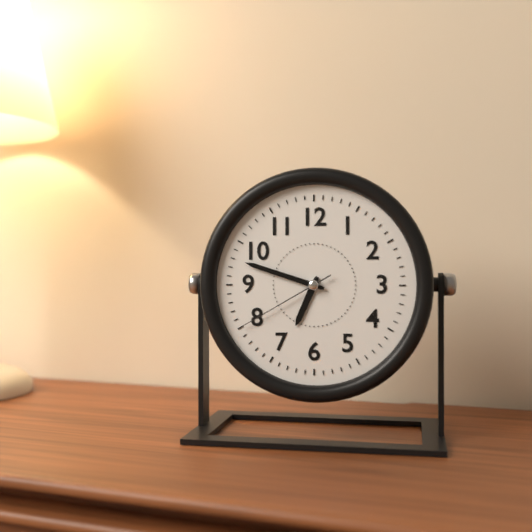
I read {"hour": 6, "minute": 48, "second": 40}
